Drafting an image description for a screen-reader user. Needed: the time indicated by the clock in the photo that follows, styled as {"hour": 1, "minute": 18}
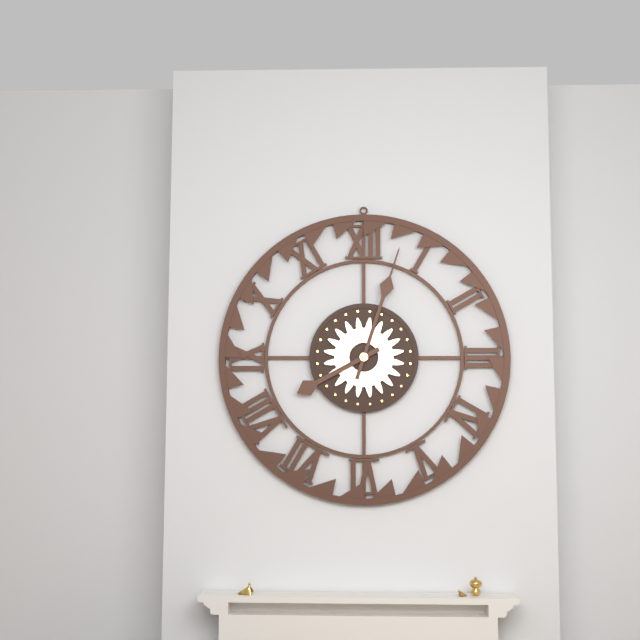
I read {"hour": 8, "minute": 3}
